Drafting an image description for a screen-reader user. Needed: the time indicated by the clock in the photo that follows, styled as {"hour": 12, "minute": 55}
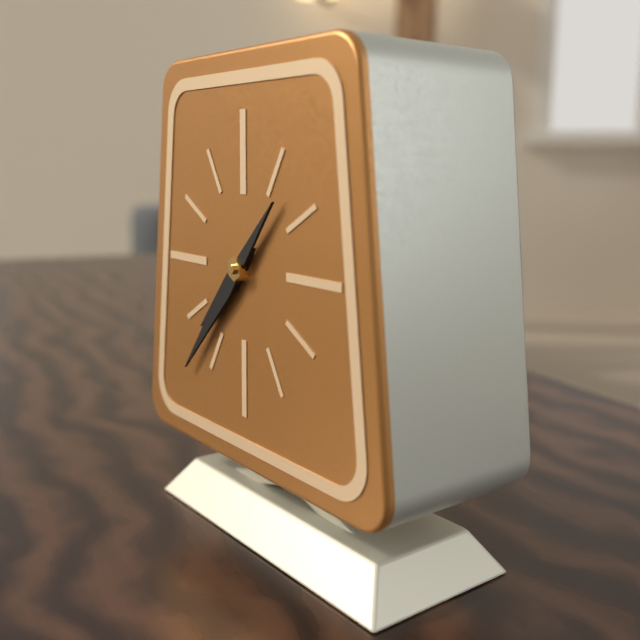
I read {"hour": 7, "minute": 37}
